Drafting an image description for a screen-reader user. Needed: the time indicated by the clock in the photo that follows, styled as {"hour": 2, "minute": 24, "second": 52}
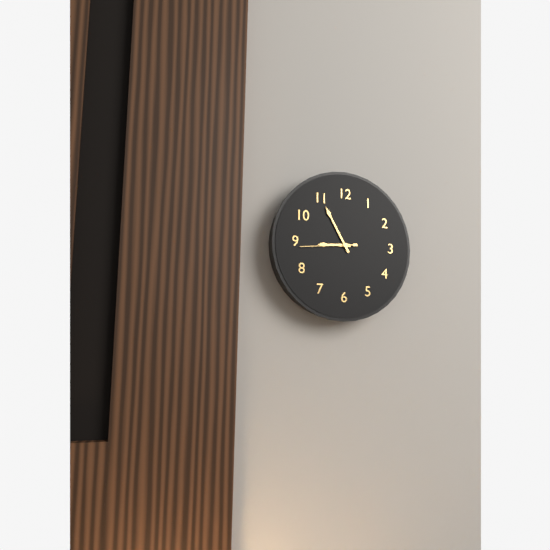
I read {"hour": 8, "minute": 55, "second": 44}
